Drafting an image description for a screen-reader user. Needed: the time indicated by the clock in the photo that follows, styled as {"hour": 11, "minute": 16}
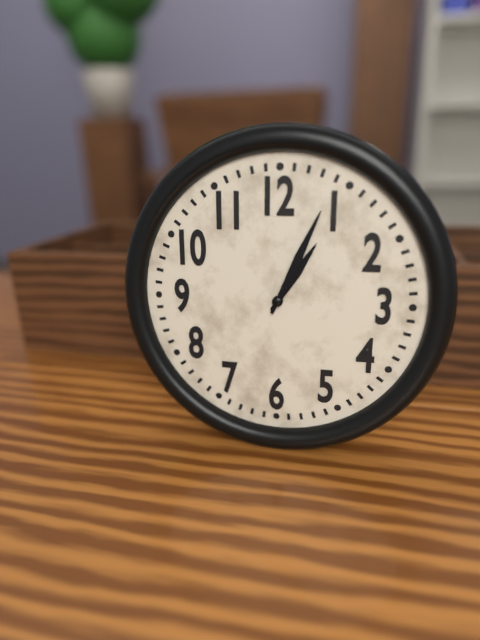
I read {"hour": 1, "minute": 4}
